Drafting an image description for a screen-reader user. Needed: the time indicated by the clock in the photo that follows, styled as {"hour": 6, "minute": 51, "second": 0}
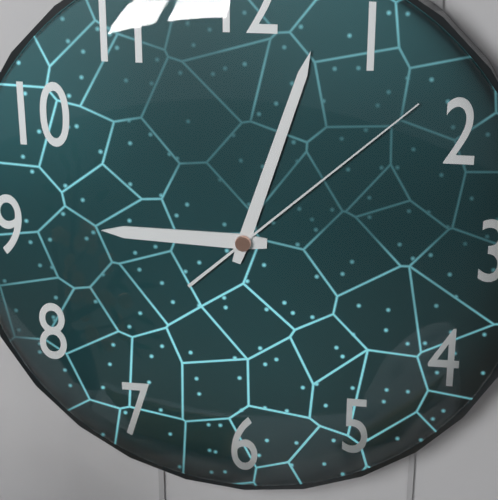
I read {"hour": 9, "minute": 3, "second": 8}
